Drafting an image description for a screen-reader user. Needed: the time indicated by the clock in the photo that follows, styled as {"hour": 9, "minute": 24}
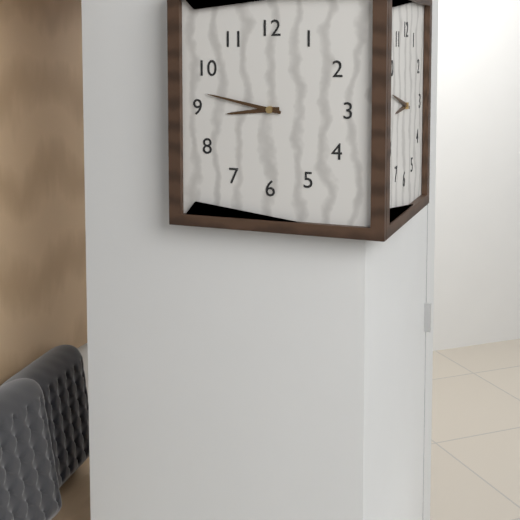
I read {"hour": 8, "minute": 47}
